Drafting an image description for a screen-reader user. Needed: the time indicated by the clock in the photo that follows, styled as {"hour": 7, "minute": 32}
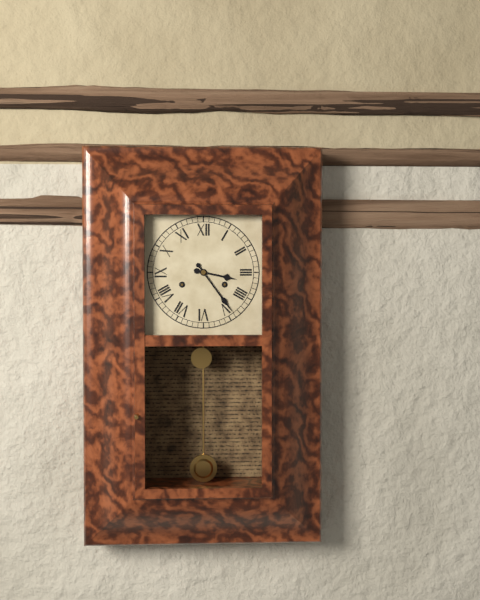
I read {"hour": 3, "minute": 24}
